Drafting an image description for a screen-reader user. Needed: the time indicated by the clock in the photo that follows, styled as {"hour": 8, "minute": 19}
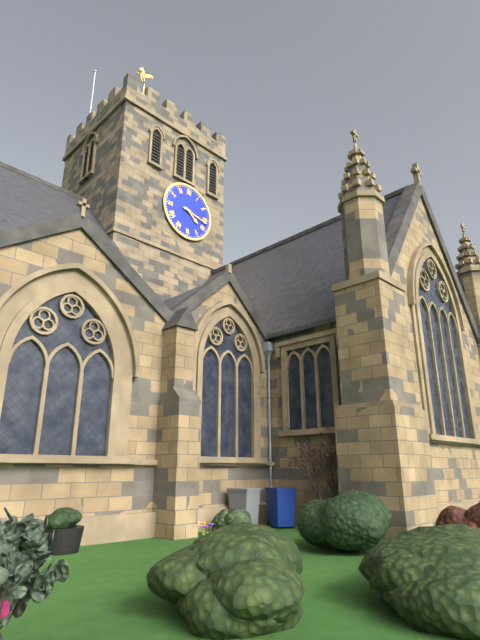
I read {"hour": 4, "minute": 17}
